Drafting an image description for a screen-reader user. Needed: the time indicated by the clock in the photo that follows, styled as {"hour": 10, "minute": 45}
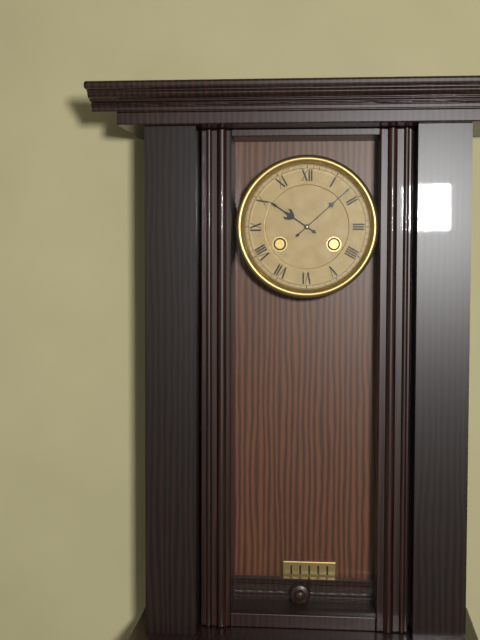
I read {"hour": 10, "minute": 8}
